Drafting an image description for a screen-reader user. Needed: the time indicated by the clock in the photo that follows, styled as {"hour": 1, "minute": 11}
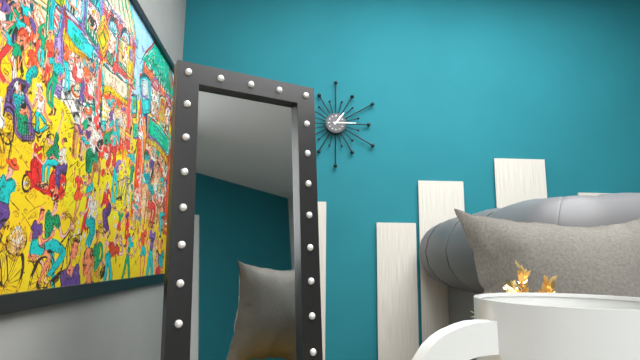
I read {"hour": 1, "minute": 15}
